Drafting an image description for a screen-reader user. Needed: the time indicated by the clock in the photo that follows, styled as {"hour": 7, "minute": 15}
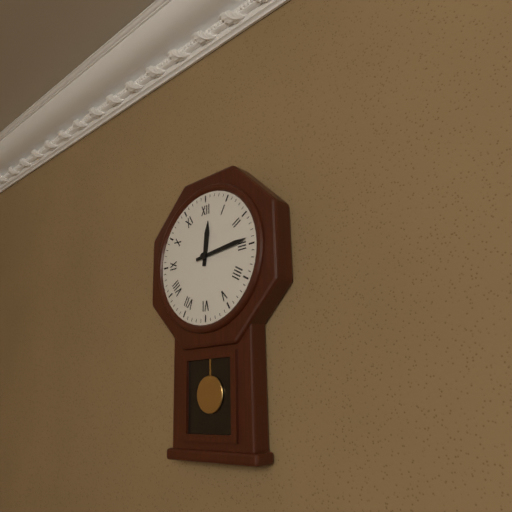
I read {"hour": 12, "minute": 14}
